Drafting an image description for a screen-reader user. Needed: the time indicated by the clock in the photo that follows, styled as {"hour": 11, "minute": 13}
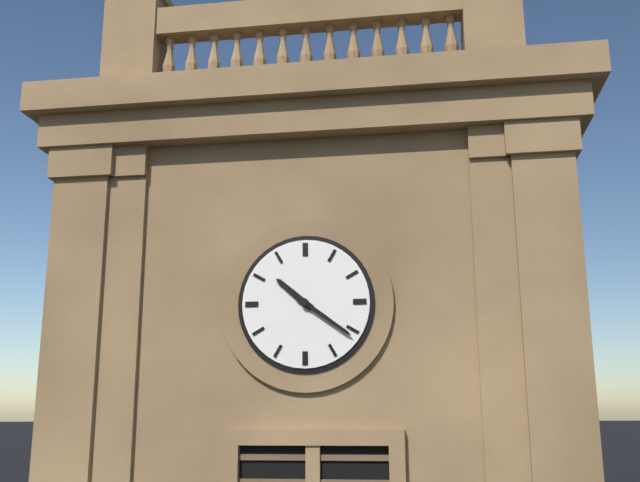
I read {"hour": 10, "minute": 21}
